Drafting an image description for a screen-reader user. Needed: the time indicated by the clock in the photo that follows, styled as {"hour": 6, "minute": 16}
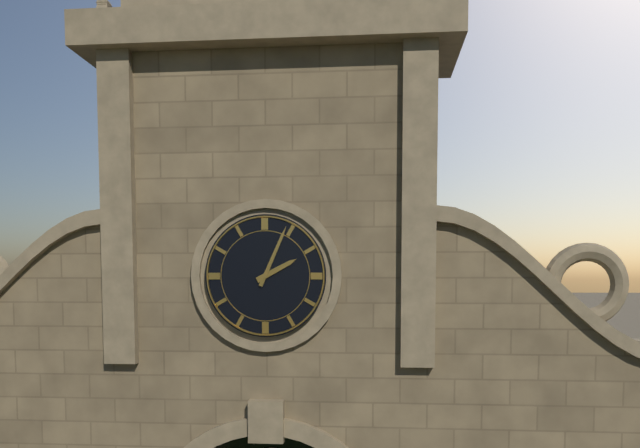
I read {"hour": 2, "minute": 4}
